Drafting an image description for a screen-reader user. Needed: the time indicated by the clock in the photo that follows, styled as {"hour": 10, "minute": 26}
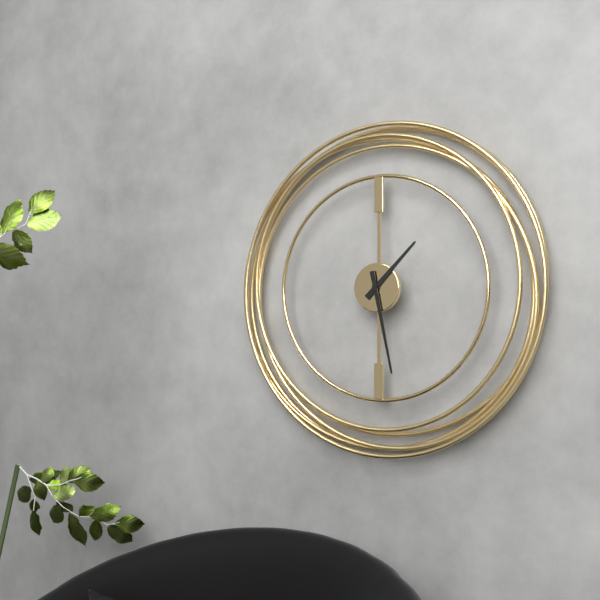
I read {"hour": 1, "minute": 28}
